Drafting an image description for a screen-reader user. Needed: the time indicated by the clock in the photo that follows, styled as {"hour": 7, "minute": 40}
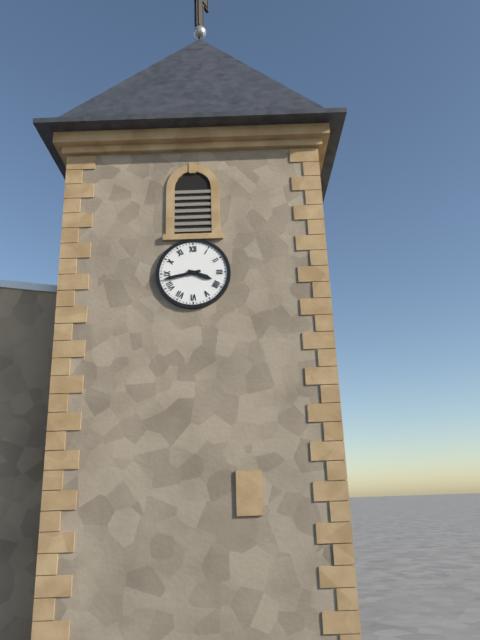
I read {"hour": 3, "minute": 43}
